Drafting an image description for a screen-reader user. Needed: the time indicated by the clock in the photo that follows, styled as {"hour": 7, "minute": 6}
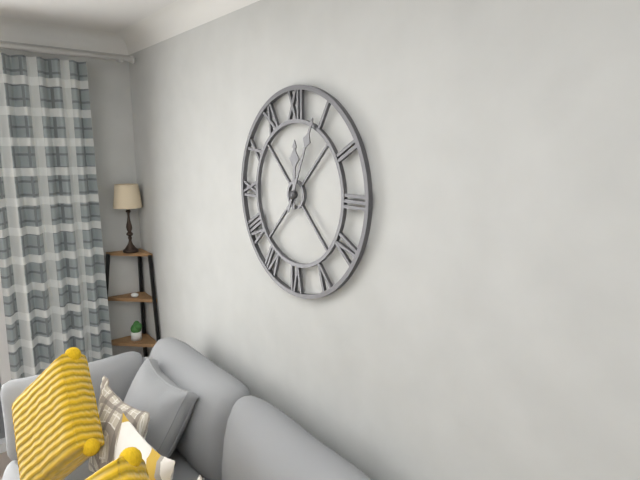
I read {"hour": 12, "minute": 4}
